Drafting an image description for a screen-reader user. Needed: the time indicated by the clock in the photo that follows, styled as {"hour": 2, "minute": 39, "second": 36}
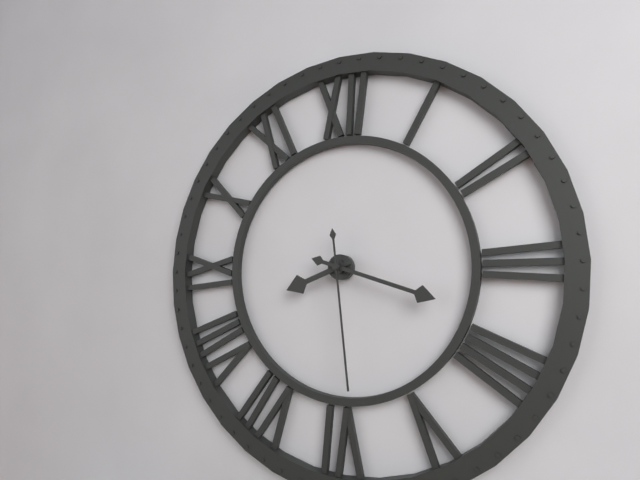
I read {"hour": 8, "minute": 18, "second": 29}
